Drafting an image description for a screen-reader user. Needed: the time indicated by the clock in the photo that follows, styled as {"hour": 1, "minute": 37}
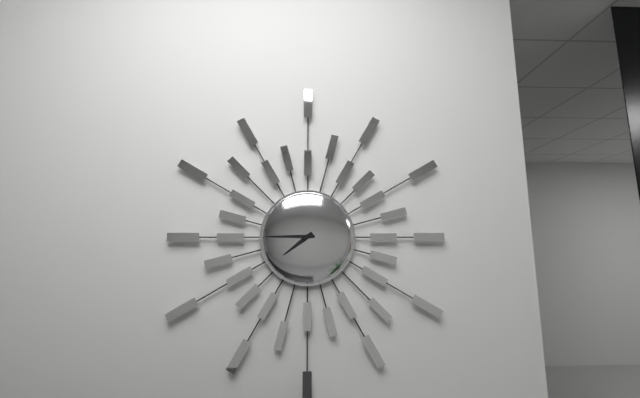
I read {"hour": 7, "minute": 45}
